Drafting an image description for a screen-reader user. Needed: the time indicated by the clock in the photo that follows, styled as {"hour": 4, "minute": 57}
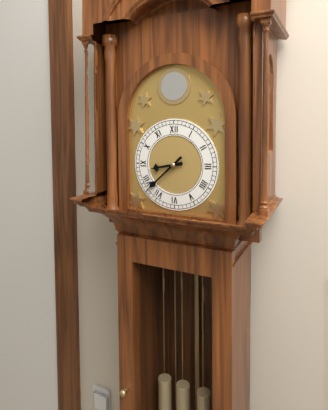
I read {"hour": 8, "minute": 38}
